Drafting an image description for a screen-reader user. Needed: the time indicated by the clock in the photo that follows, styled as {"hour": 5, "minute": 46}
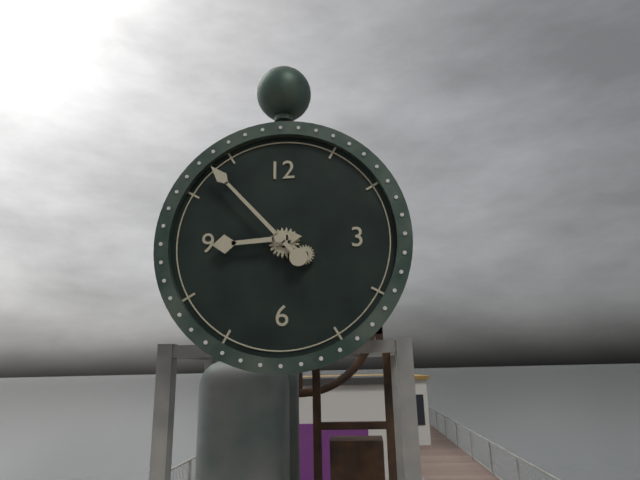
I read {"hour": 8, "minute": 53}
